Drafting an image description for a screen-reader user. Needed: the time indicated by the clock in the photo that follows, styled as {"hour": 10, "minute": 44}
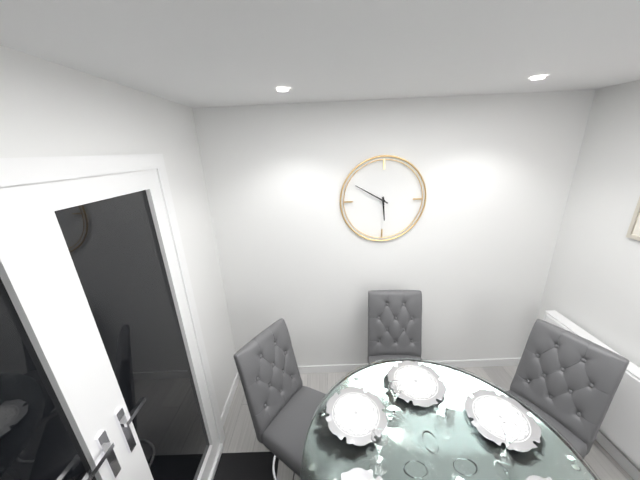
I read {"hour": 5, "minute": 50}
